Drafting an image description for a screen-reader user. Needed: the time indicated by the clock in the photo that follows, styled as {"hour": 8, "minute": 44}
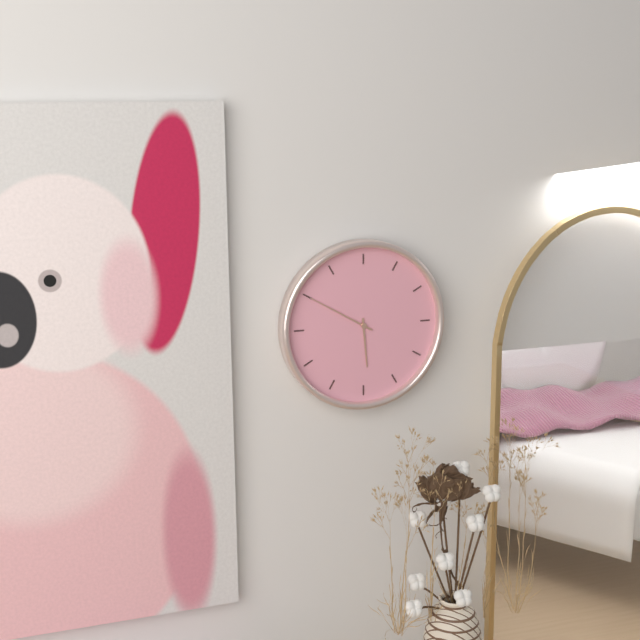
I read {"hour": 5, "minute": 50}
